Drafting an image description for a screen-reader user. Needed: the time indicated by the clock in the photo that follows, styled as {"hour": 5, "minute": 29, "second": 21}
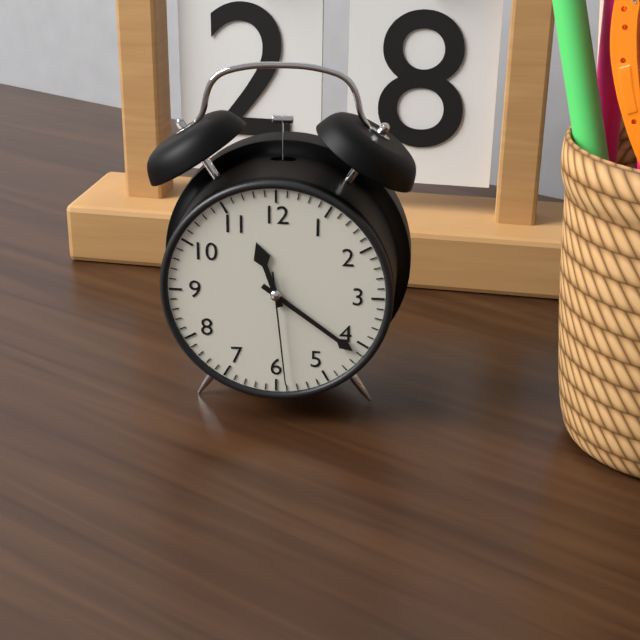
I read {"hour": 11, "minute": 21, "second": 29}
